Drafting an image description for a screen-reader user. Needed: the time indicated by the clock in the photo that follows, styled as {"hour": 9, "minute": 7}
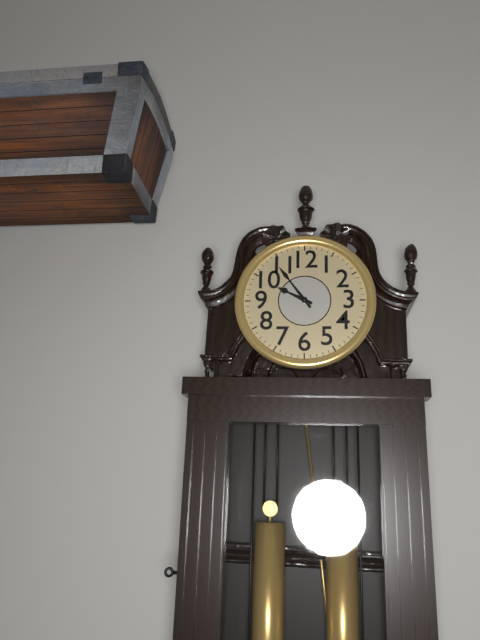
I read {"hour": 9, "minute": 54}
